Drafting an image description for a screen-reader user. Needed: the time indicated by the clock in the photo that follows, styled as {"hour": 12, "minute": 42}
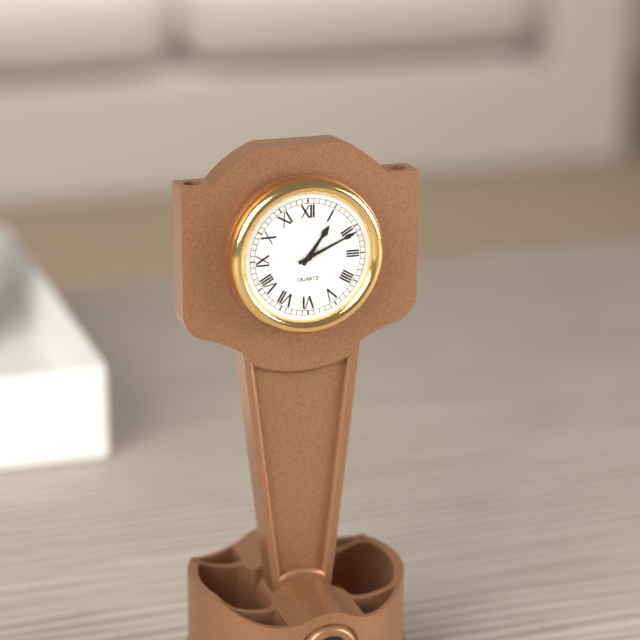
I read {"hour": 1, "minute": 11}
